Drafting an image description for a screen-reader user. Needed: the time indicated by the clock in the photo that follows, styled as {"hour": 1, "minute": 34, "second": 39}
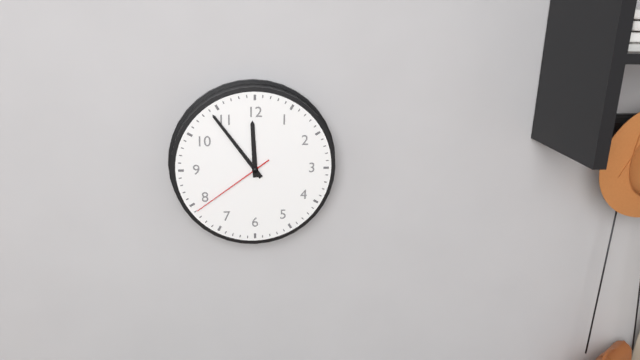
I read {"hour": 11, "minute": 54, "second": 39}
